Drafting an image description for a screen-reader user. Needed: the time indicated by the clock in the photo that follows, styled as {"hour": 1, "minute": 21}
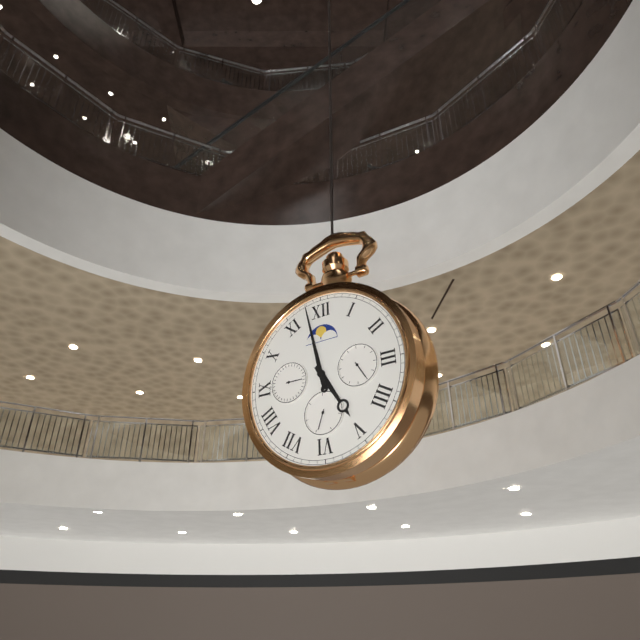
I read {"hour": 4, "minute": 58}
